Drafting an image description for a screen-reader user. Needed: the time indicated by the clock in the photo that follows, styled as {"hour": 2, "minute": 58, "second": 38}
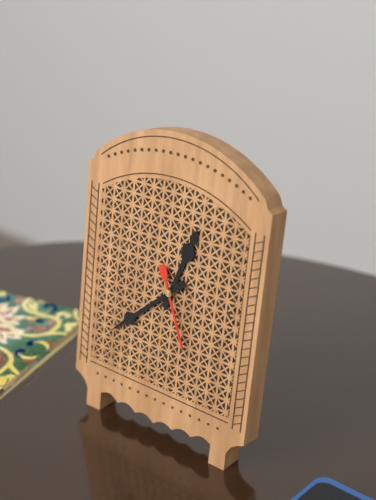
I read {"hour": 12, "minute": 38, "second": 26}
